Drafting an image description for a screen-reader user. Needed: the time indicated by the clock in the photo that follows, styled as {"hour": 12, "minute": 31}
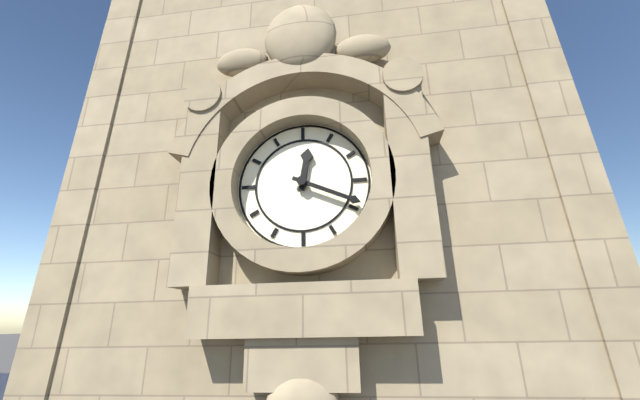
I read {"hour": 12, "minute": 19}
